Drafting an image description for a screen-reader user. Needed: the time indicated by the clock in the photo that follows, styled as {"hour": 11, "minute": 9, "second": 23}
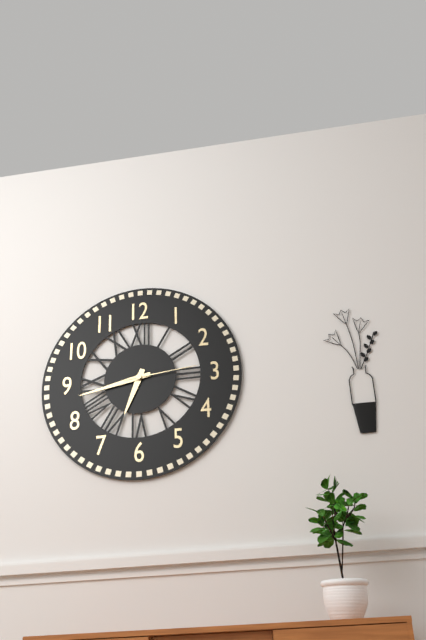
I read {"hour": 6, "minute": 43, "second": 14}
